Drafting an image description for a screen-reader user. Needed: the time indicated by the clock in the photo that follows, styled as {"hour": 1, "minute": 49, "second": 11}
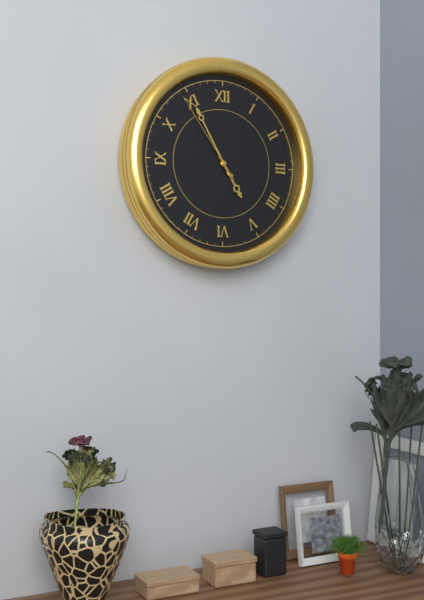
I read {"hour": 4, "minute": 55, "second": 54}
